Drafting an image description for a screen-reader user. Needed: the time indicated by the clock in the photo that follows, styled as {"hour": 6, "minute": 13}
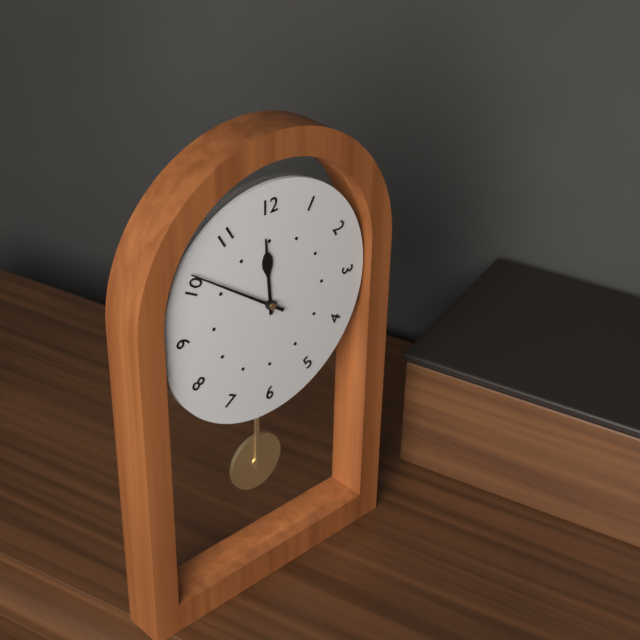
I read {"hour": 11, "minute": 51}
